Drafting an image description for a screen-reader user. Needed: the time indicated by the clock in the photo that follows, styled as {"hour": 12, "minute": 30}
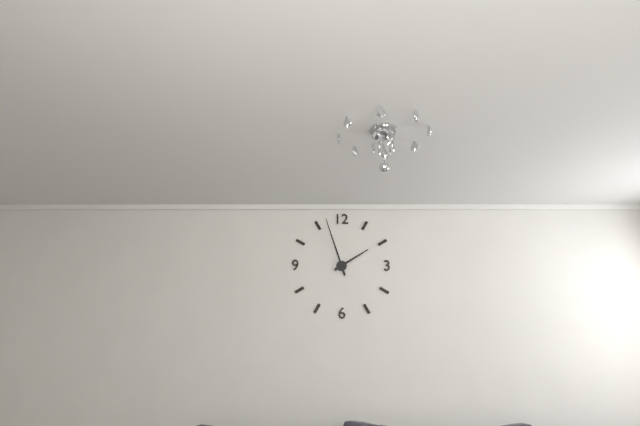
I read {"hour": 1, "minute": 57}
